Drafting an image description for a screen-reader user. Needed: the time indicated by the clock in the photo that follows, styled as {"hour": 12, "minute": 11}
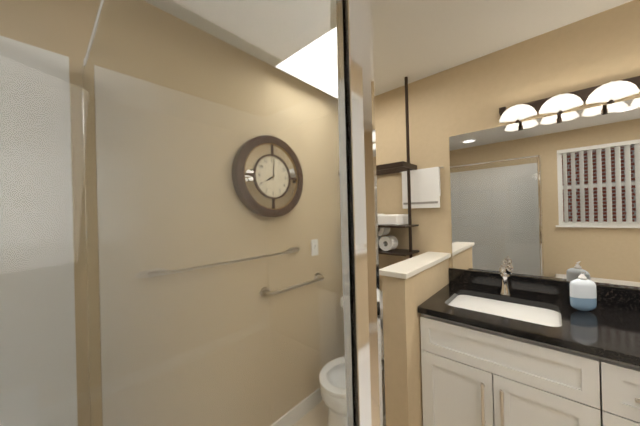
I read {"hour": 8, "minute": 1}
